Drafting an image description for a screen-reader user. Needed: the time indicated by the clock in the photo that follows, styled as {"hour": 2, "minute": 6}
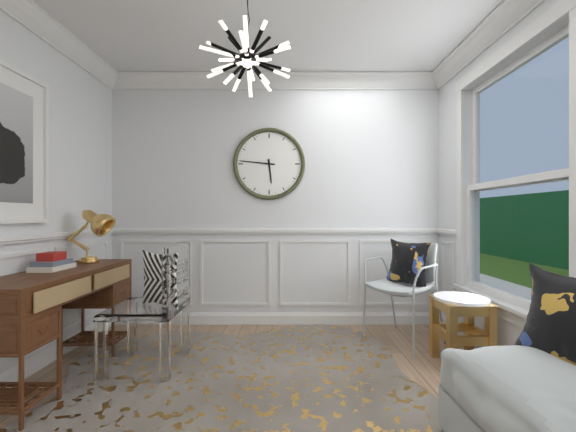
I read {"hour": 5, "minute": 46}
